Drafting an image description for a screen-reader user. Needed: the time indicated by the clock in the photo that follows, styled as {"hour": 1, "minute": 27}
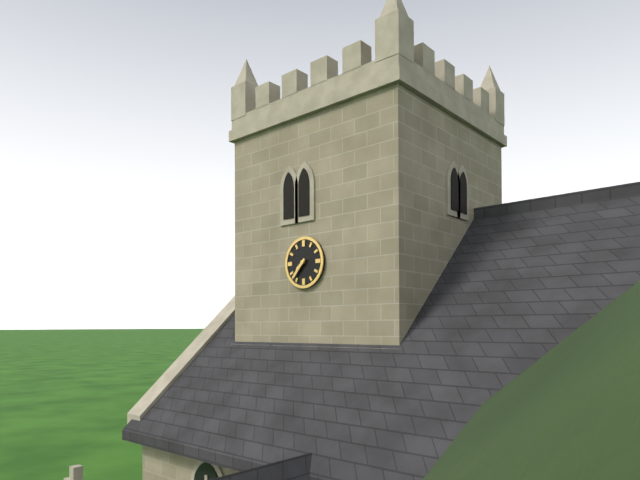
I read {"hour": 7, "minute": 37}
